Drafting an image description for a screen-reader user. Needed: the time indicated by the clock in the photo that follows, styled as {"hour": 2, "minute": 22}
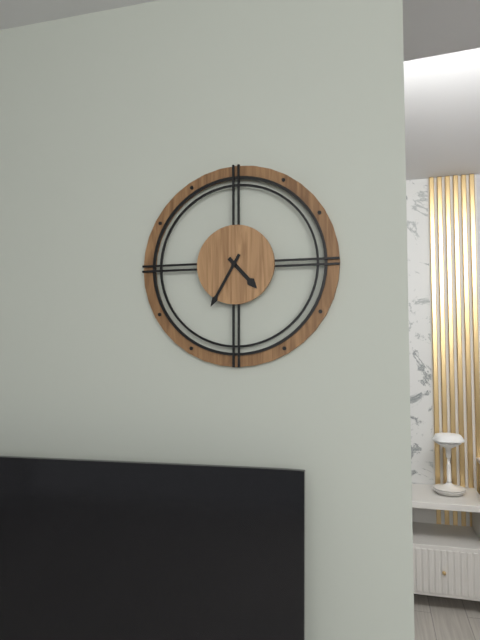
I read {"hour": 4, "minute": 35}
